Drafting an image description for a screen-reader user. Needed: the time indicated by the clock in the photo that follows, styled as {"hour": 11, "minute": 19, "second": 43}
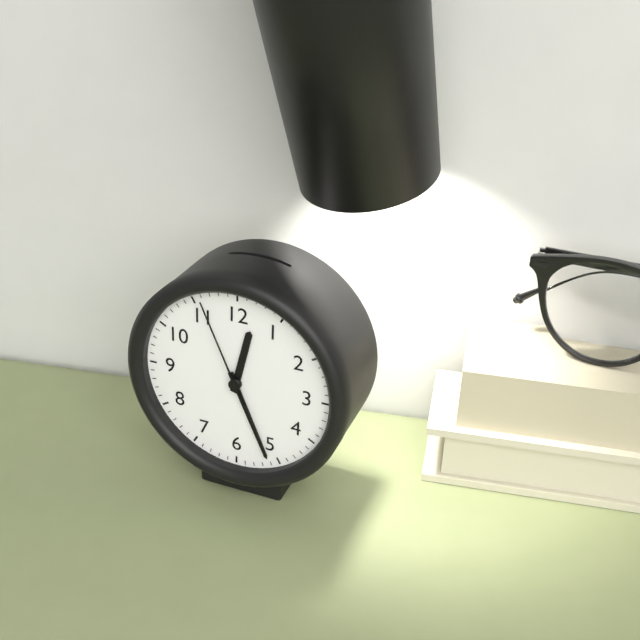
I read {"hour": 12, "minute": 26, "second": 56}
